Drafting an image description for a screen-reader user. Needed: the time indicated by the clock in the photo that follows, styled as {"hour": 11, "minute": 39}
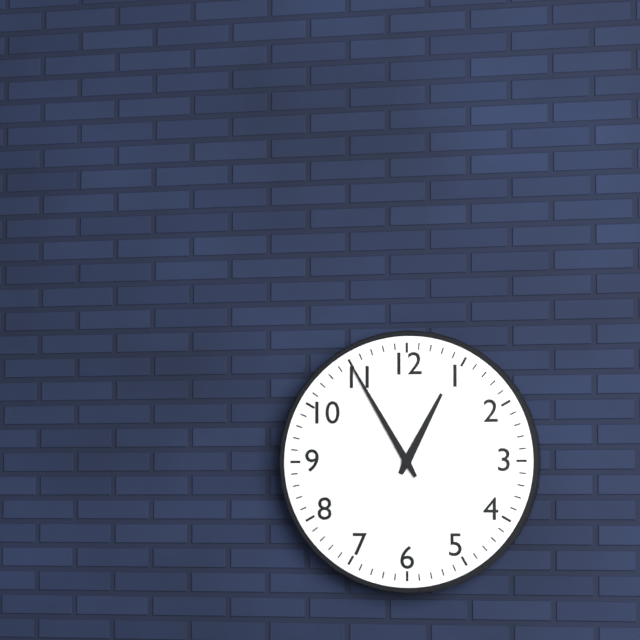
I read {"hour": 12, "minute": 55}
